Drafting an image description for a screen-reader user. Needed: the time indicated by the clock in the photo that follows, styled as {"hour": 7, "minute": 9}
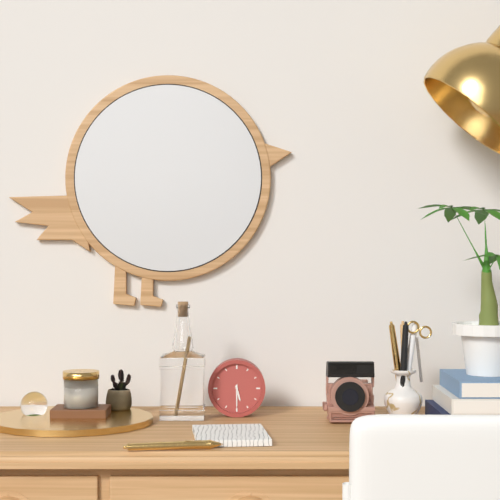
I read {"hour": 5, "minute": 30}
